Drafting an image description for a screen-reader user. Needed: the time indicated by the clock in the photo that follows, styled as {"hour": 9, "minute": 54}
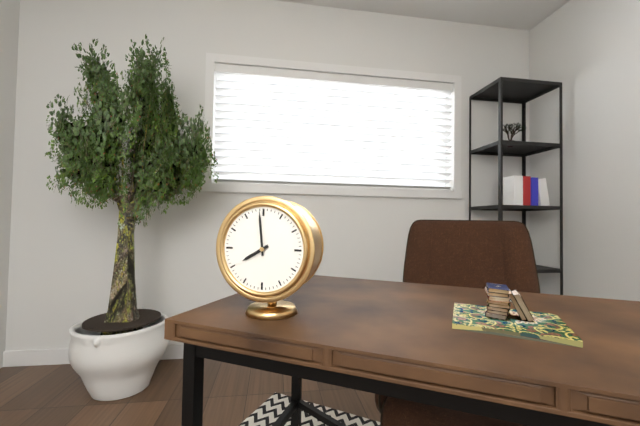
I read {"hour": 7, "minute": 59}
